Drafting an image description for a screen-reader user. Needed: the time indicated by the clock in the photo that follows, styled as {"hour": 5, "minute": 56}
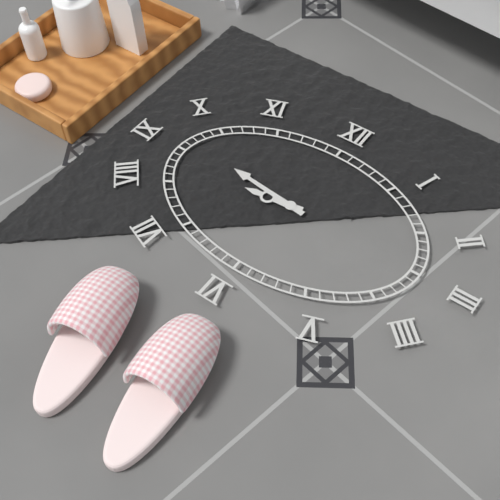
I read {"hour": 8, "minute": 46}
